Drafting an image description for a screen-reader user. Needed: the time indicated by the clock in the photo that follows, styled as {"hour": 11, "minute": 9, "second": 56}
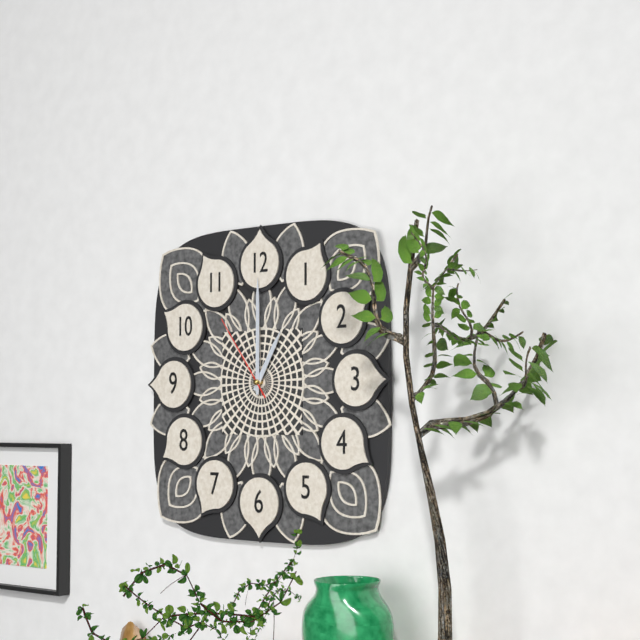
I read {"hour": 1, "minute": 0, "second": 54}
